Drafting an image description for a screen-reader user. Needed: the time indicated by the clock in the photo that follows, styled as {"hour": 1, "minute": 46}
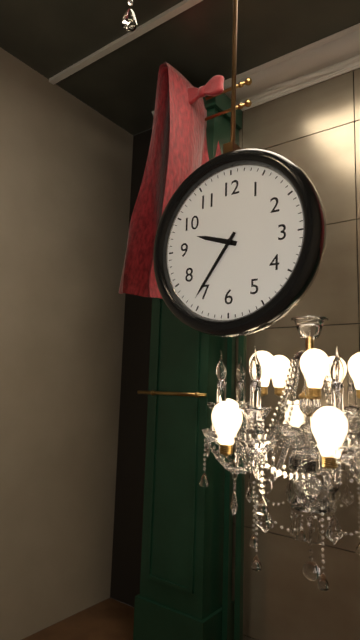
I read {"hour": 9, "minute": 36}
